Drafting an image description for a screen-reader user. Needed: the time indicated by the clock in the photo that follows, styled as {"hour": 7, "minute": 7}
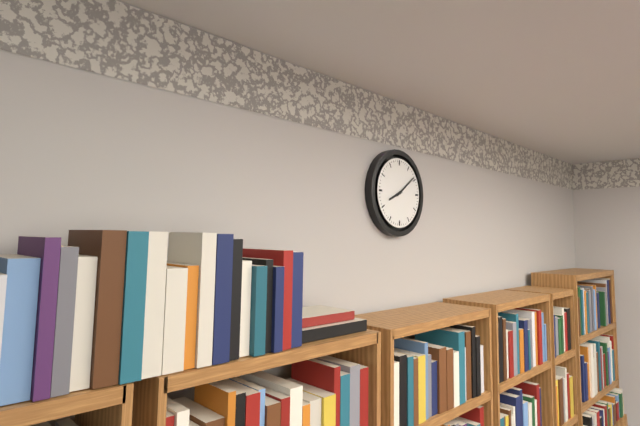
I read {"hour": 8, "minute": 9}
